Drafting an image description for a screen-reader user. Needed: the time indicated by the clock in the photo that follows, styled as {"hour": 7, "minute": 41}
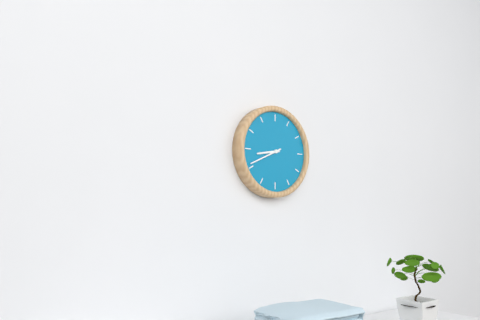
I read {"hour": 8, "minute": 41}
